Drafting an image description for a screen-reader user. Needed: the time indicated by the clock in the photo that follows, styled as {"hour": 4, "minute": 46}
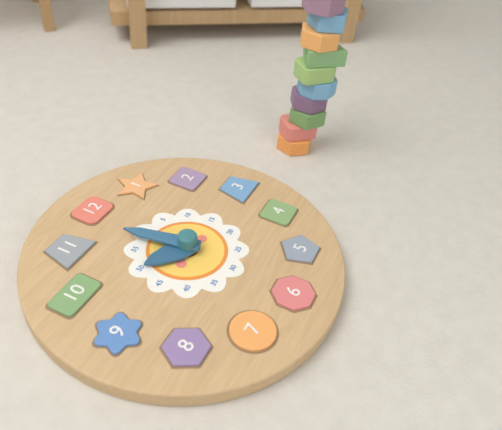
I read {"hour": 9, "minute": 58}
